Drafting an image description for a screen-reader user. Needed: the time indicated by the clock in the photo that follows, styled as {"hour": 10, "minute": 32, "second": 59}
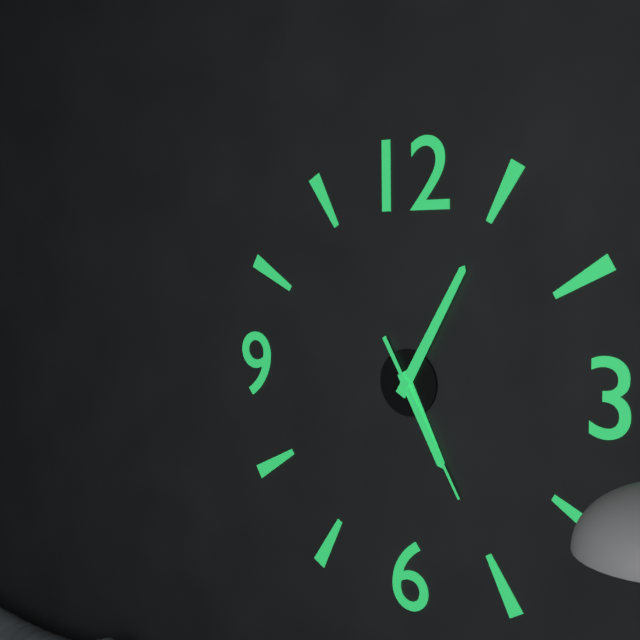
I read {"hour": 5, "minute": 5, "second": 25}
